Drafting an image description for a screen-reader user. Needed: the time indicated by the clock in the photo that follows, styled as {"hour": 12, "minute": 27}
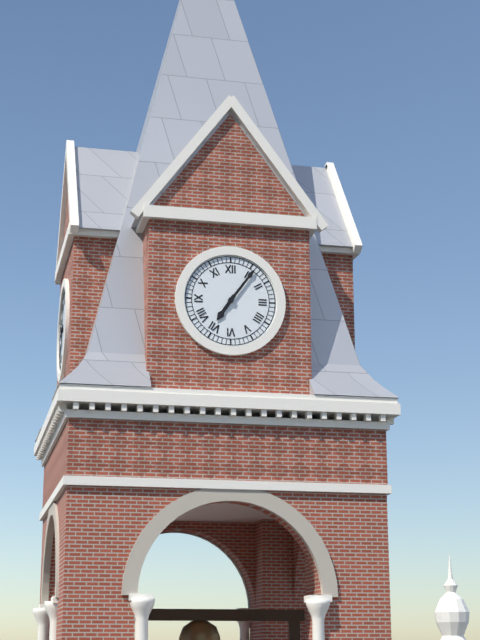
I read {"hour": 7, "minute": 6}
